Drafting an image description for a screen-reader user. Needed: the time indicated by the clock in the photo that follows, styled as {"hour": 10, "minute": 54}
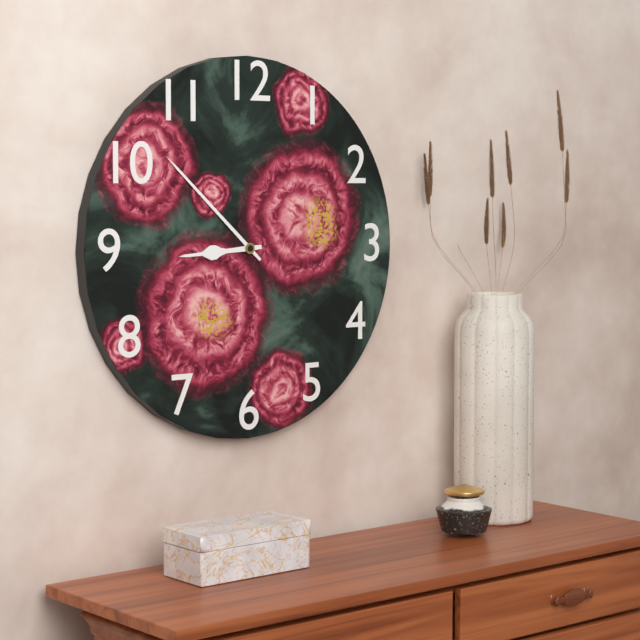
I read {"hour": 8, "minute": 52}
